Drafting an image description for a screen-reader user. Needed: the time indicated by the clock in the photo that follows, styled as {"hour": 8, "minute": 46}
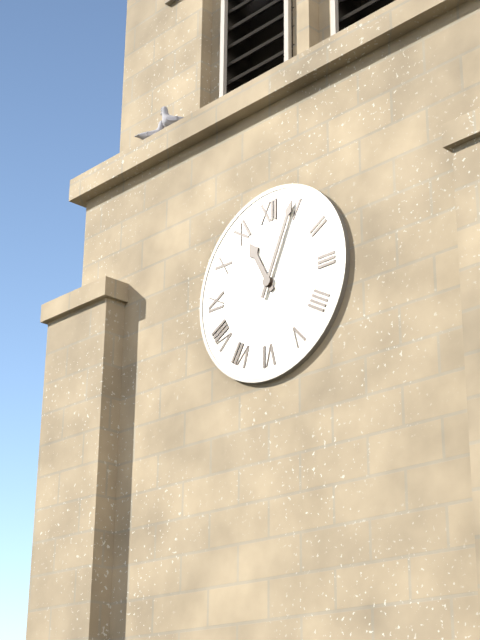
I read {"hour": 11, "minute": 4}
